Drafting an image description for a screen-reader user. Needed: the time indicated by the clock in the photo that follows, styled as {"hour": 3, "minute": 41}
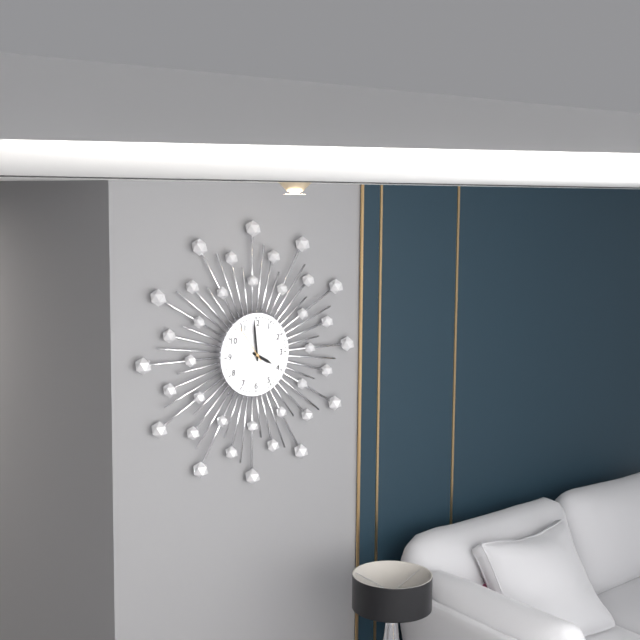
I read {"hour": 3, "minute": 59}
